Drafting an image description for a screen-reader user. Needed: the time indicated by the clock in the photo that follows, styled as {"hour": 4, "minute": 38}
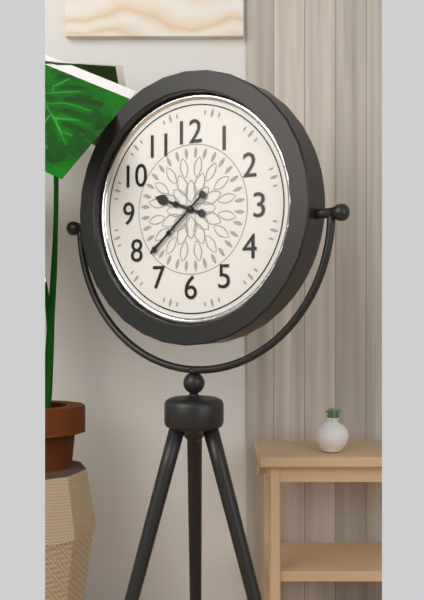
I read {"hour": 9, "minute": 38}
